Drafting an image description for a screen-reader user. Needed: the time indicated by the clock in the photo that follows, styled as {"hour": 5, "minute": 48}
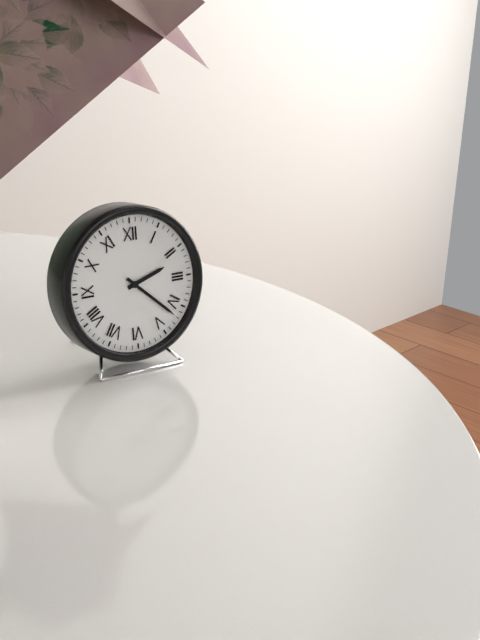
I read {"hour": 2, "minute": 22}
